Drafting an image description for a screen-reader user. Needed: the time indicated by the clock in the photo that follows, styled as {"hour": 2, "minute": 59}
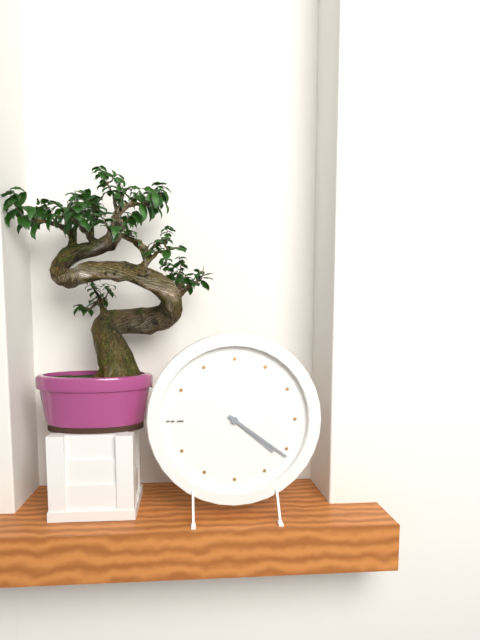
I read {"hour": 4, "minute": 21}
